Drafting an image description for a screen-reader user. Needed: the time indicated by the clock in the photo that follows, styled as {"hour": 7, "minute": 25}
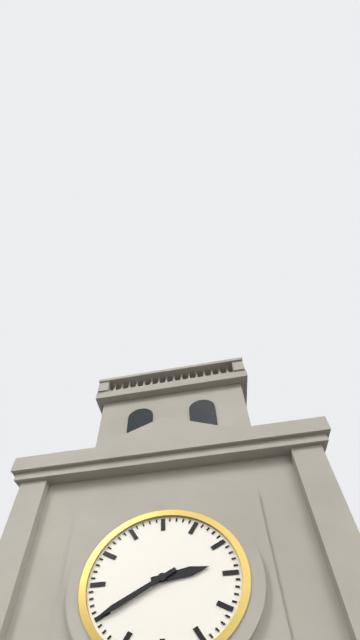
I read {"hour": 2, "minute": 40}
